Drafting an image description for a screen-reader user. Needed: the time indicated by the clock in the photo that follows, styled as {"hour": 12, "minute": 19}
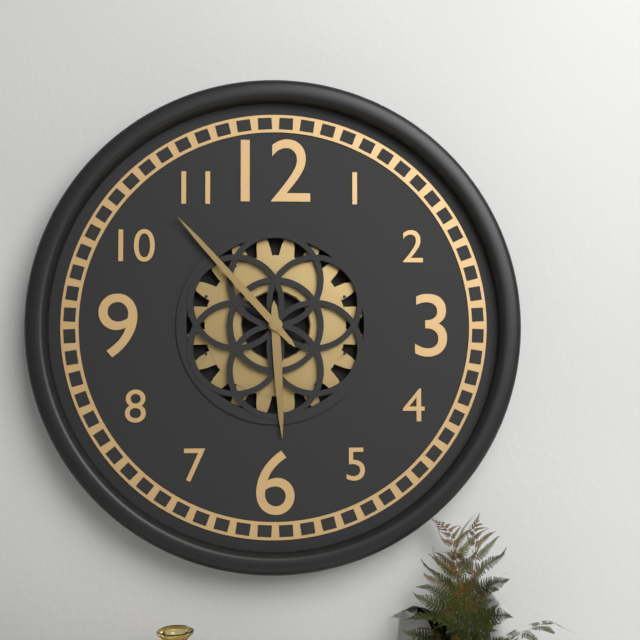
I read {"hour": 5, "minute": 53}
